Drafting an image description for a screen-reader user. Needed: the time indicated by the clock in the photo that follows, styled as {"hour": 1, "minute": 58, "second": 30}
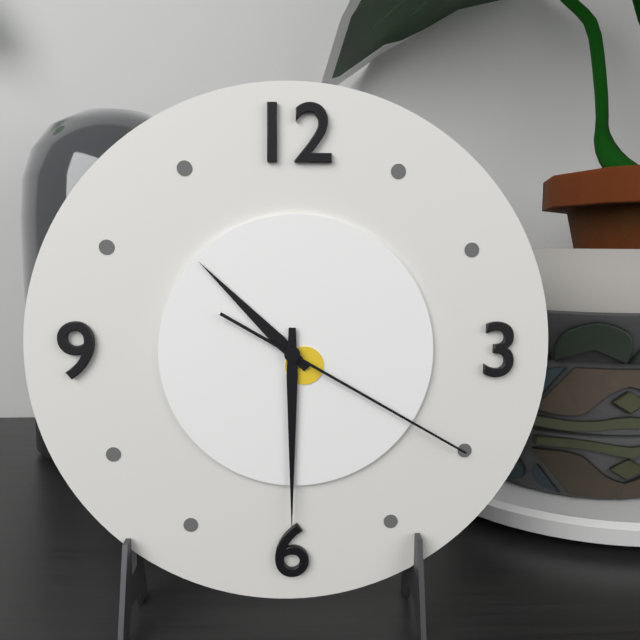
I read {"hour": 10, "minute": 30, "second": 20}
